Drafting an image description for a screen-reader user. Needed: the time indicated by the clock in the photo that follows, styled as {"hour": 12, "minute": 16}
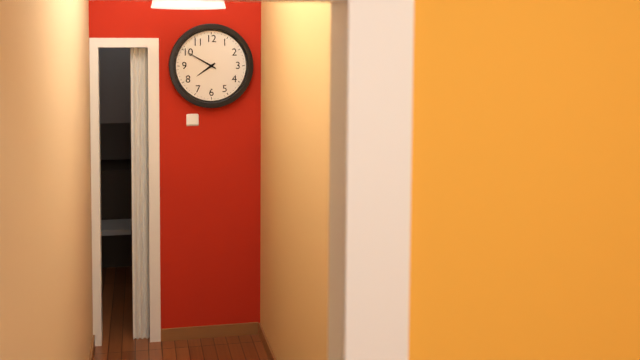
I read {"hour": 7, "minute": 50}
